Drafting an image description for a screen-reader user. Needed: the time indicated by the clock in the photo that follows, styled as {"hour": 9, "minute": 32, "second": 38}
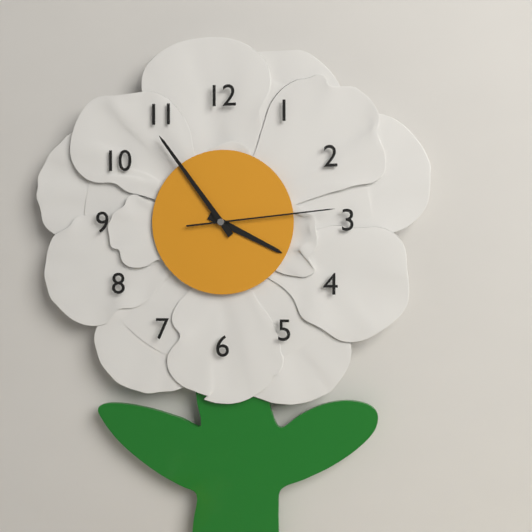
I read {"hour": 3, "minute": 54, "second": 14}
